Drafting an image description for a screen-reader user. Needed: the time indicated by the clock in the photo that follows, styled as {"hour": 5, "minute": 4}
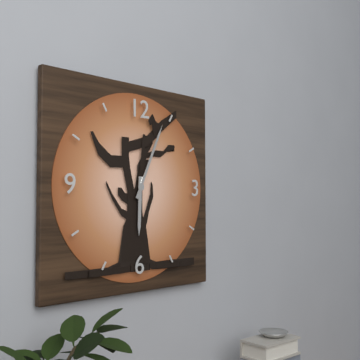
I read {"hour": 6, "minute": 4}
